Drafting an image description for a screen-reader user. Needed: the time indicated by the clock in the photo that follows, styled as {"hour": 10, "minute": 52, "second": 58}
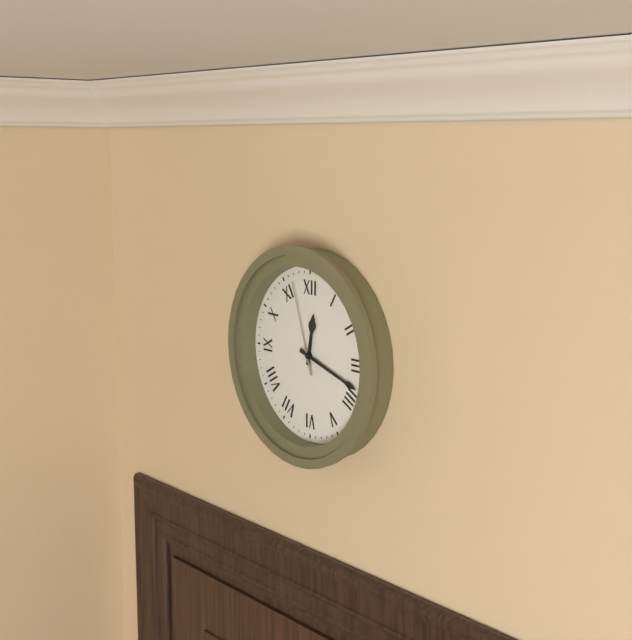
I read {"hour": 12, "minute": 18, "second": 57}
